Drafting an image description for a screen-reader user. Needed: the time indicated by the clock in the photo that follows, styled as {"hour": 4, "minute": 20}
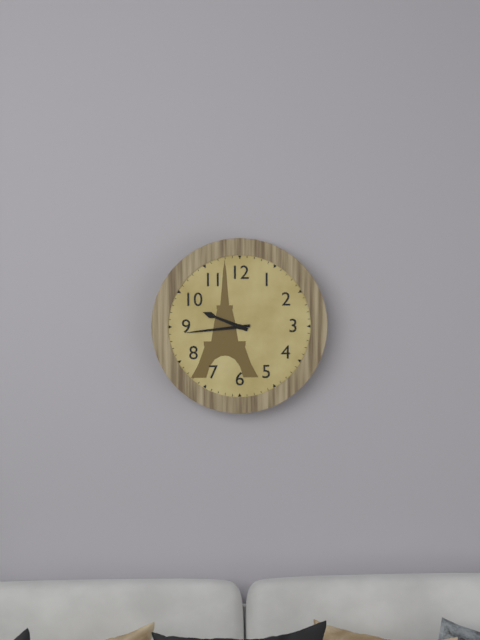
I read {"hour": 9, "minute": 44}
